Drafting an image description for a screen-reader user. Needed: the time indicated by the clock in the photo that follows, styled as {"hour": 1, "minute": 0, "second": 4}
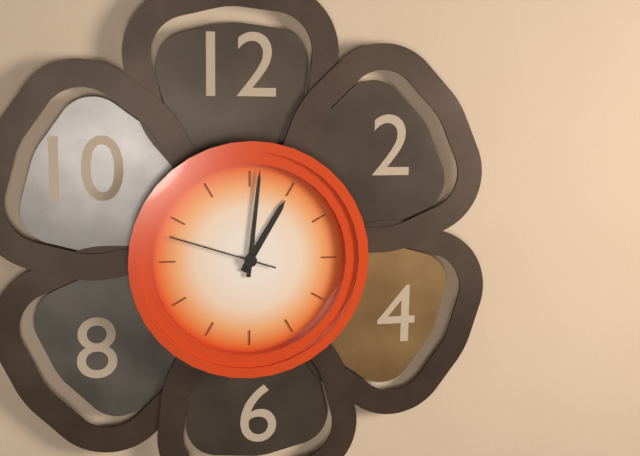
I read {"hour": 1, "minute": 1, "second": 48}
